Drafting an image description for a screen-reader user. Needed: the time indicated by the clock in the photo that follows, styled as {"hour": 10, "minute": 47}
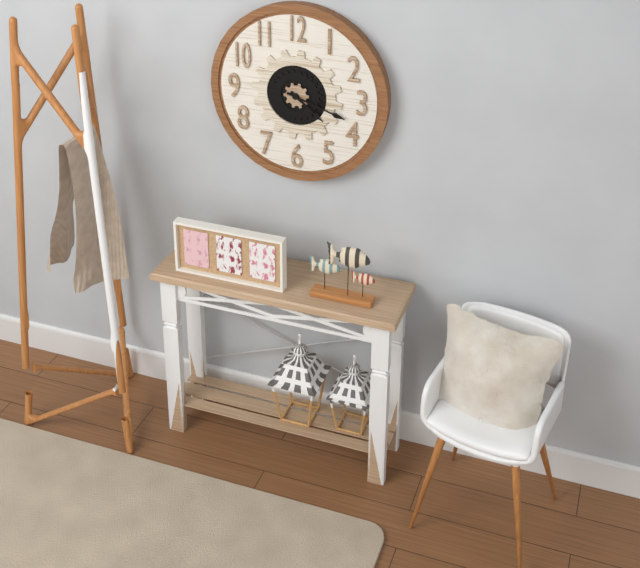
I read {"hour": 4, "minute": 18}
